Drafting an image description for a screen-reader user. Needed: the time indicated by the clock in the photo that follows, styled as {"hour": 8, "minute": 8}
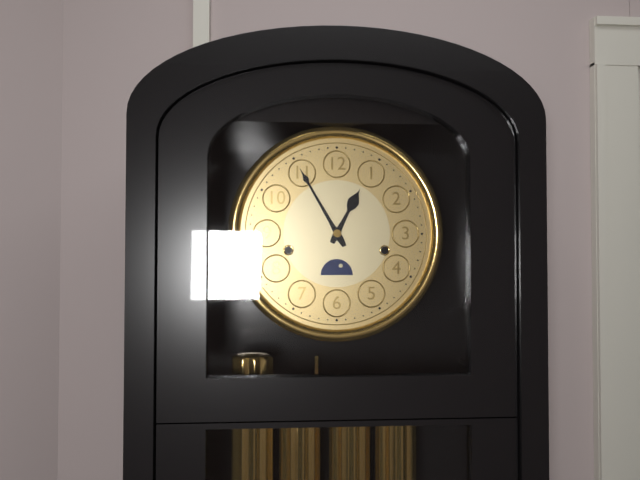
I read {"hour": 12, "minute": 55}
